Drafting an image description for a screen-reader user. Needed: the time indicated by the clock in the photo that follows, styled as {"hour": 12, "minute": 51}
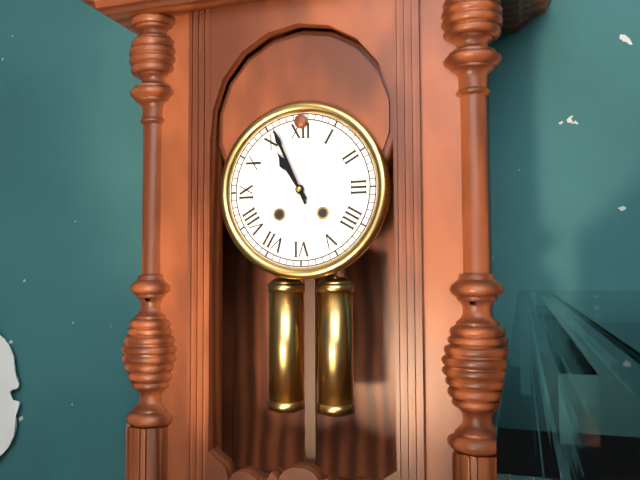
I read {"hour": 10, "minute": 56}
